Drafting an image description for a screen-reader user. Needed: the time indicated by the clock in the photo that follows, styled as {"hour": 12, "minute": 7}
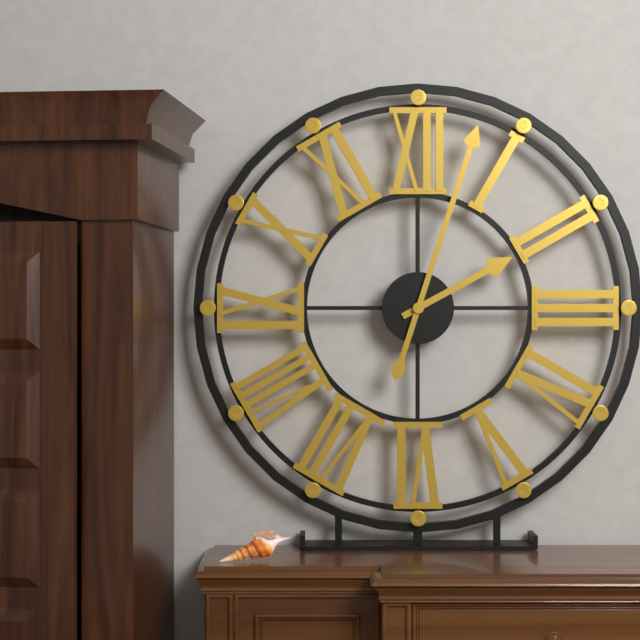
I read {"hour": 2, "minute": 3}
